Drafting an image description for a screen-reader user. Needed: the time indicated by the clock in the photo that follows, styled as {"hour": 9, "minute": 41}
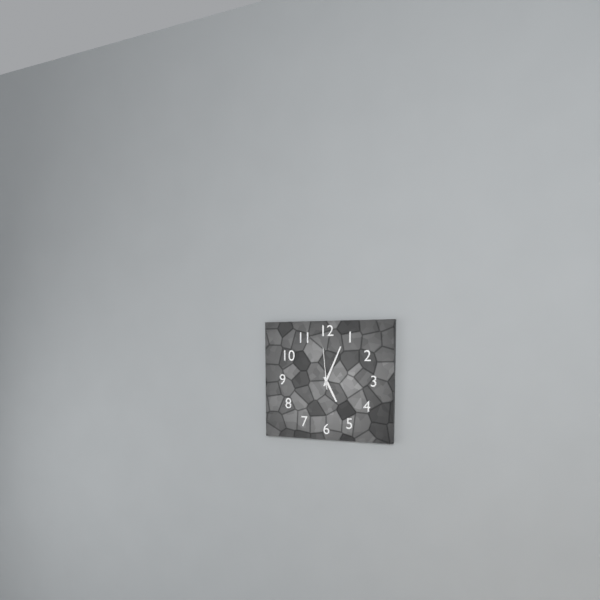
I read {"hour": 5, "minute": 4}
